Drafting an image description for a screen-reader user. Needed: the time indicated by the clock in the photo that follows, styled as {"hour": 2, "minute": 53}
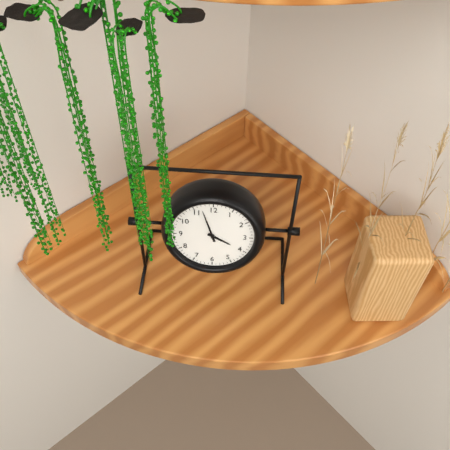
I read {"hour": 3, "minute": 57}
